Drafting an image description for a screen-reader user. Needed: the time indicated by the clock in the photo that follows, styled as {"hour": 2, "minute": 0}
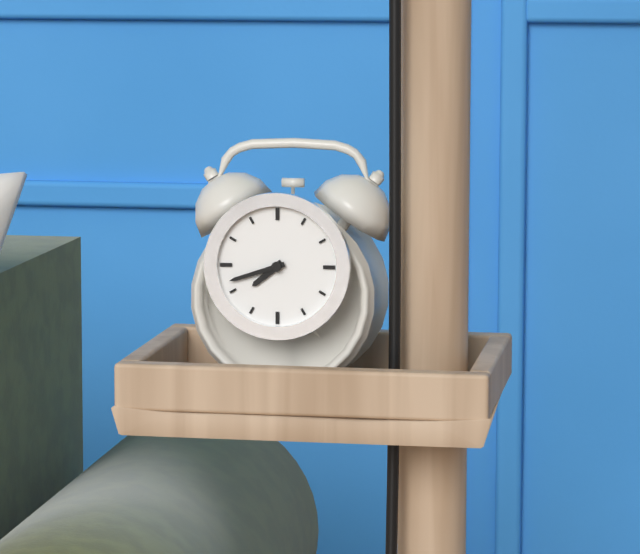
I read {"hour": 7, "minute": 42}
